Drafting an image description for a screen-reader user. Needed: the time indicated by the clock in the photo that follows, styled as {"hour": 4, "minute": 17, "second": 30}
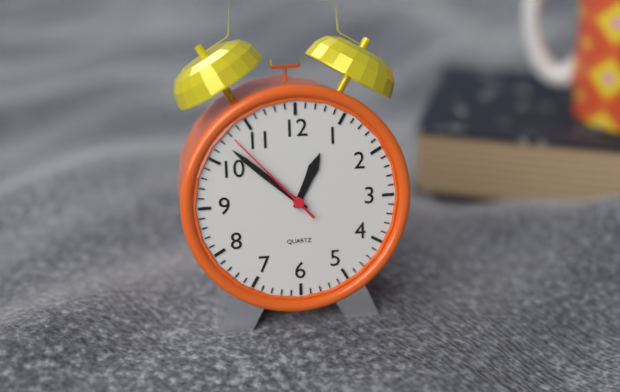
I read {"hour": 12, "minute": 52, "second": 53}
